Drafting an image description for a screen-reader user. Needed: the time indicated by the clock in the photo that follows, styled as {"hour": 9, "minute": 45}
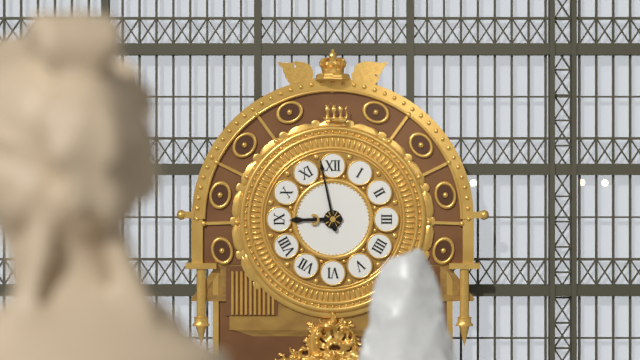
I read {"hour": 8, "minute": 58}
